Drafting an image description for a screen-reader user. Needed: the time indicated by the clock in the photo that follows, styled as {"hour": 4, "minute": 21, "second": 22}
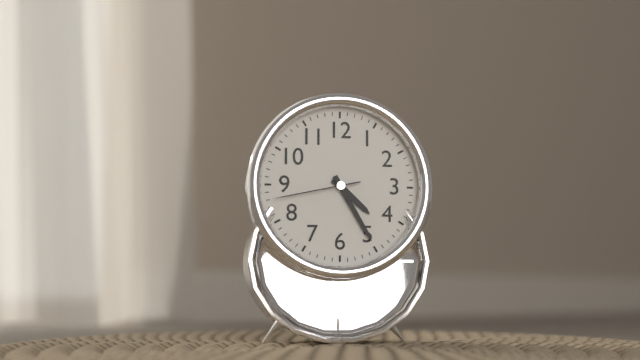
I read {"hour": 4, "minute": 25, "second": 43}
